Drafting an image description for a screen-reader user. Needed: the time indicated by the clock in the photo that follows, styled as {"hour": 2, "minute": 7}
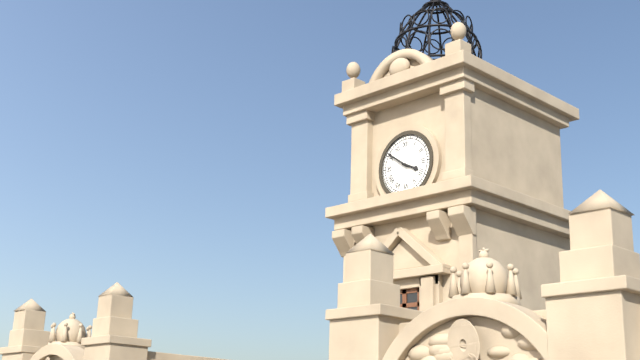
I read {"hour": 3, "minute": 51}
